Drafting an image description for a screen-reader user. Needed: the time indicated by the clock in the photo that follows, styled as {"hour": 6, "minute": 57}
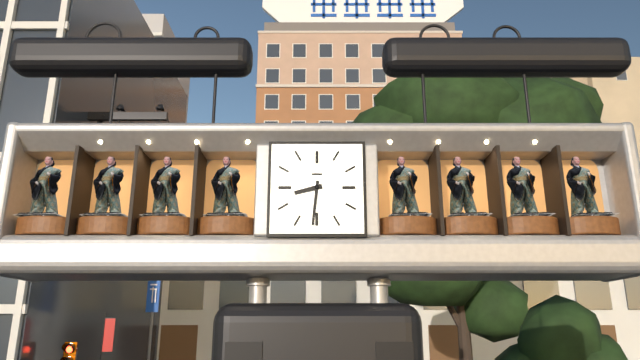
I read {"hour": 8, "minute": 31}
